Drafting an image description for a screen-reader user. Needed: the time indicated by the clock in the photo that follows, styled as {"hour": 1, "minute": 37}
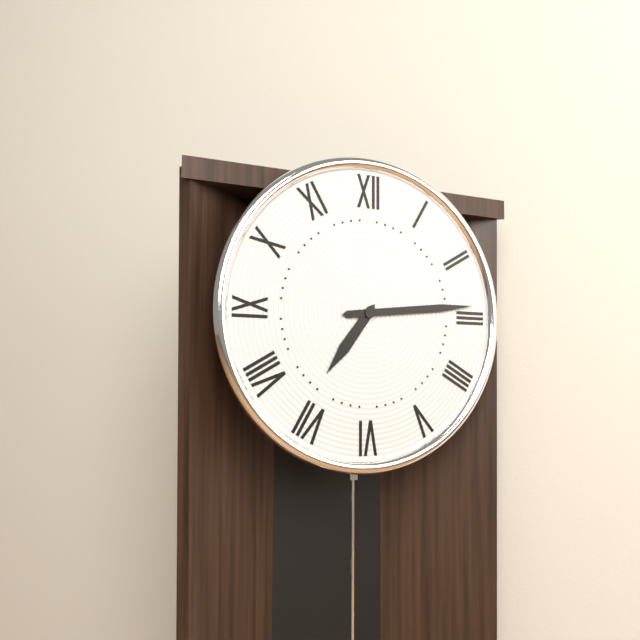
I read {"hour": 7, "minute": 14}
